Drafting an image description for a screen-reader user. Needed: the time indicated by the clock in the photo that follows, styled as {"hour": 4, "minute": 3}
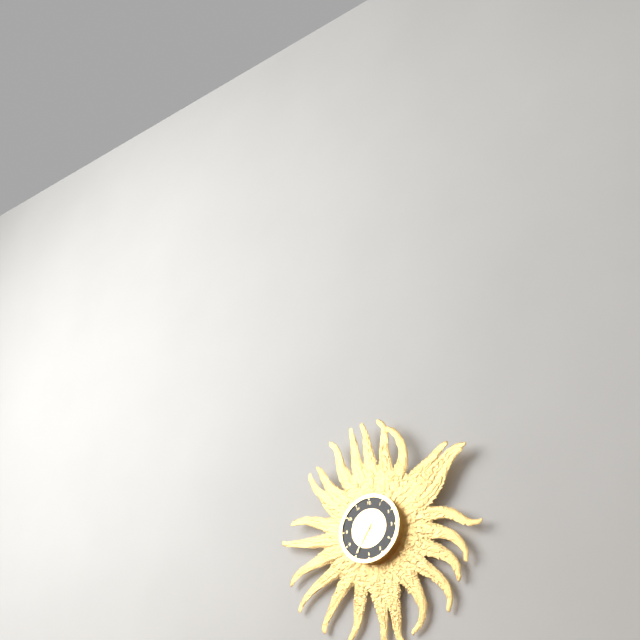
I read {"hour": 10, "minute": 35}
